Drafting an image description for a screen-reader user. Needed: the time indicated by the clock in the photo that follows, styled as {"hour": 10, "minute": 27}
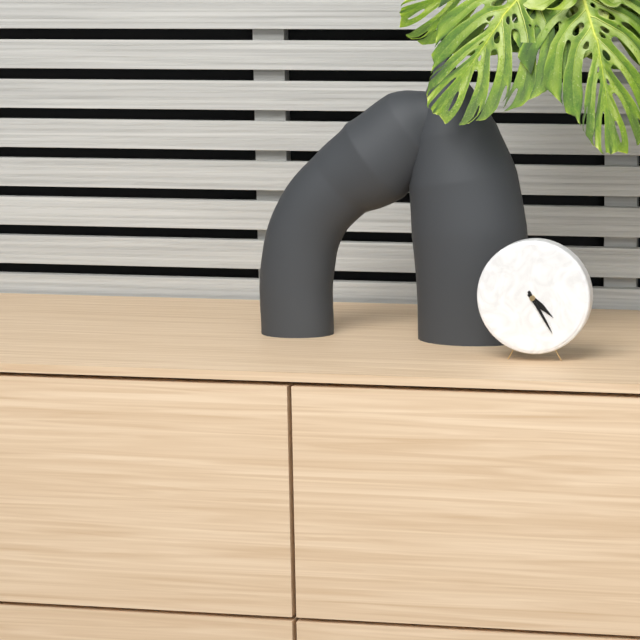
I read {"hour": 4, "minute": 25}
